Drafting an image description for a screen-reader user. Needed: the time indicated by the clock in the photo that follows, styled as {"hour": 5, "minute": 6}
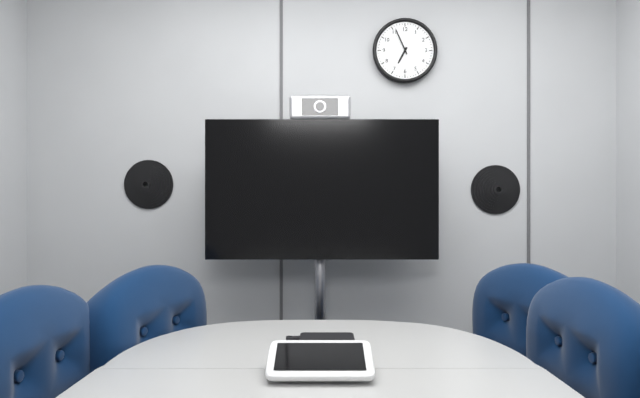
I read {"hour": 6, "minute": 56}
